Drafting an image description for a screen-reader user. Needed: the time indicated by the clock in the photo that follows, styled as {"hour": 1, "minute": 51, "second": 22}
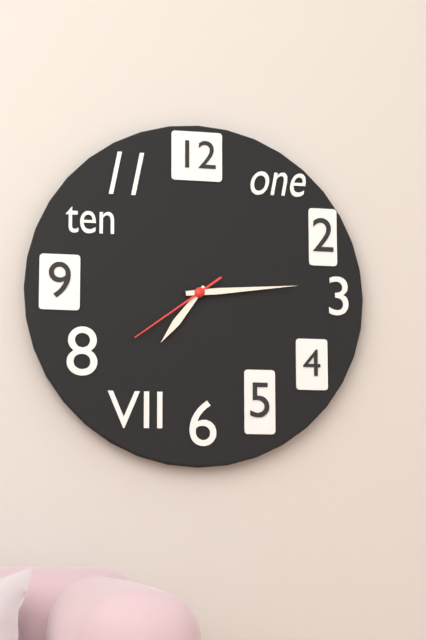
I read {"hour": 7, "minute": 14, "second": 39}
